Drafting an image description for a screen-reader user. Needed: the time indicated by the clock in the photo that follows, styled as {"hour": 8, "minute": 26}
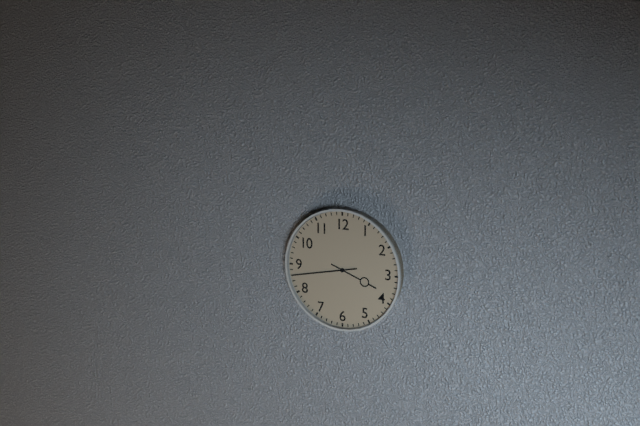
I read {"hour": 3, "minute": 43}
